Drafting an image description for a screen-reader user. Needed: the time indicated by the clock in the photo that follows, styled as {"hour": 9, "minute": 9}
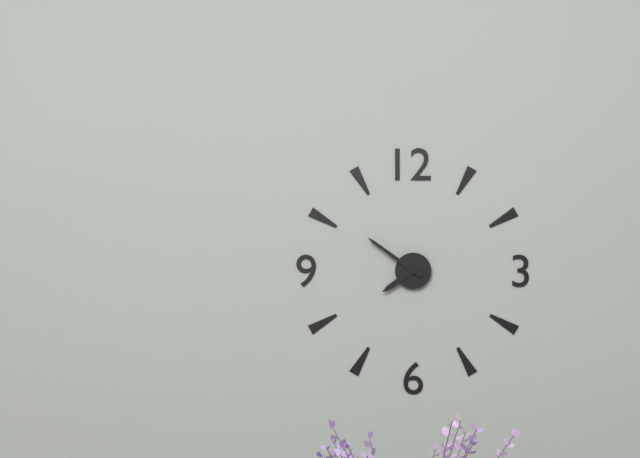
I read {"hour": 7, "minute": 51}
